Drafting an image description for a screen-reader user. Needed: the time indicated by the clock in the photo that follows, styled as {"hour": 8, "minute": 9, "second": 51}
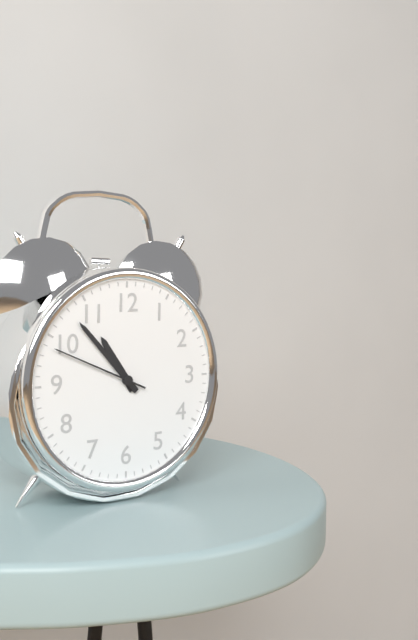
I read {"hour": 10, "minute": 53, "second": 49}
